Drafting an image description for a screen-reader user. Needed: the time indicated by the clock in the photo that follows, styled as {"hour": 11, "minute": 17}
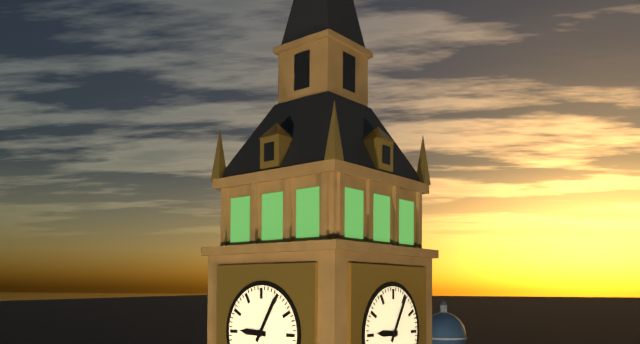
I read {"hour": 9, "minute": 5}
